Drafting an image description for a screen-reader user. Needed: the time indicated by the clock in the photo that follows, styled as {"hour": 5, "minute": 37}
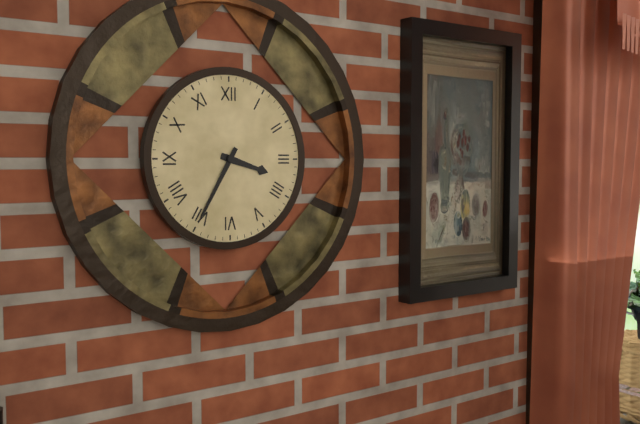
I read {"hour": 3, "minute": 35}
